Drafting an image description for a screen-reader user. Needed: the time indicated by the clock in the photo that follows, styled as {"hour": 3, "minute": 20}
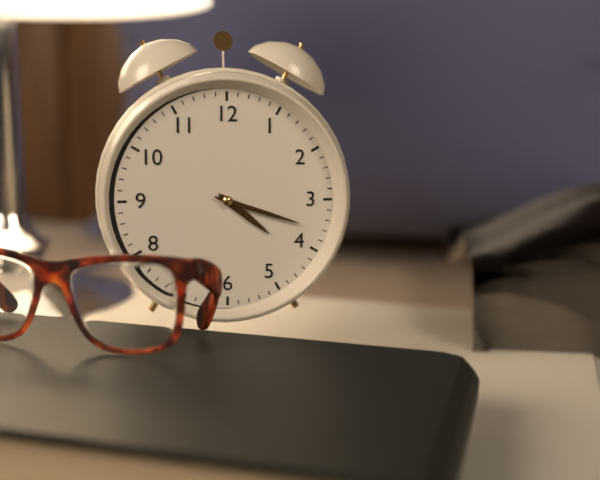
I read {"hour": 4, "minute": 18}
